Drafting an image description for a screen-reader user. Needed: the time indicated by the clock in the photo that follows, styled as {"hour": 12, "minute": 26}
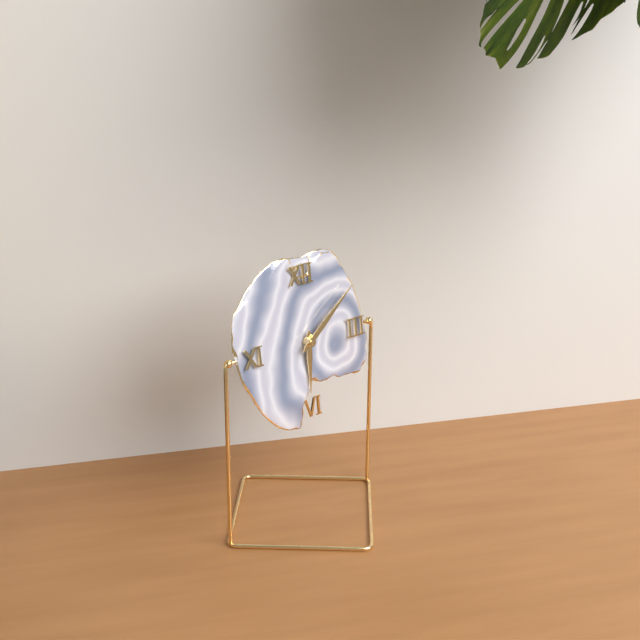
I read {"hour": 6, "minute": 9}
